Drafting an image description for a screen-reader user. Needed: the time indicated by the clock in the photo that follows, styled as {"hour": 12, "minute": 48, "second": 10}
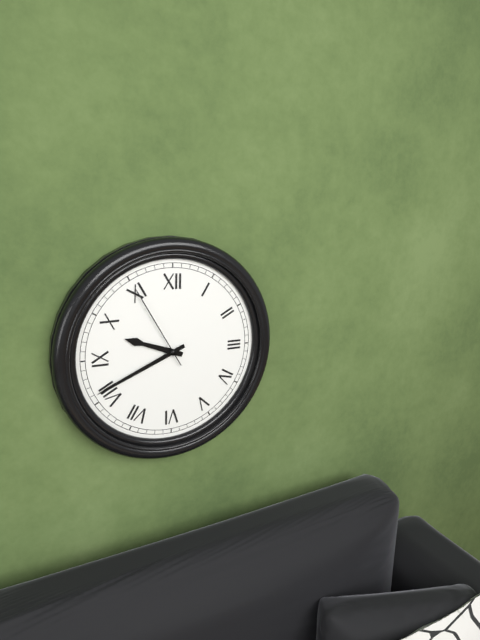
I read {"hour": 9, "minute": 41, "second": 55}
